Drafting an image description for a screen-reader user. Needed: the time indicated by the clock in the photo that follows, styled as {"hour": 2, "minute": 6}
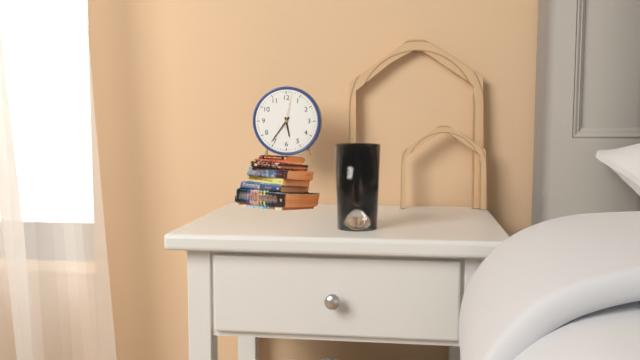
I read {"hour": 5, "minute": 36}
